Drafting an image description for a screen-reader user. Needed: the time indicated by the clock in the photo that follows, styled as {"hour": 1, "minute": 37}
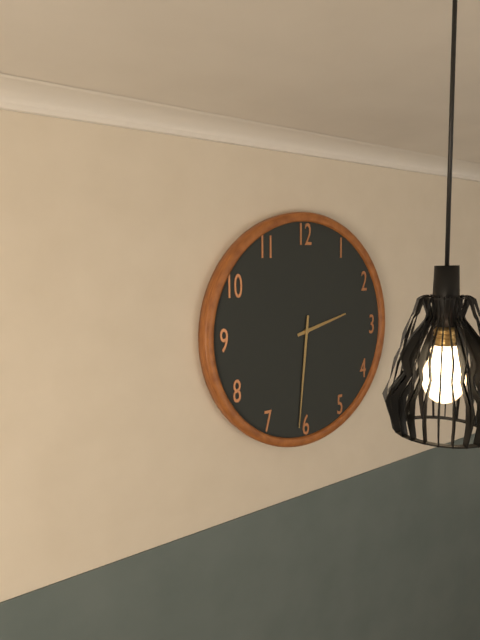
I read {"hour": 2, "minute": 31}
